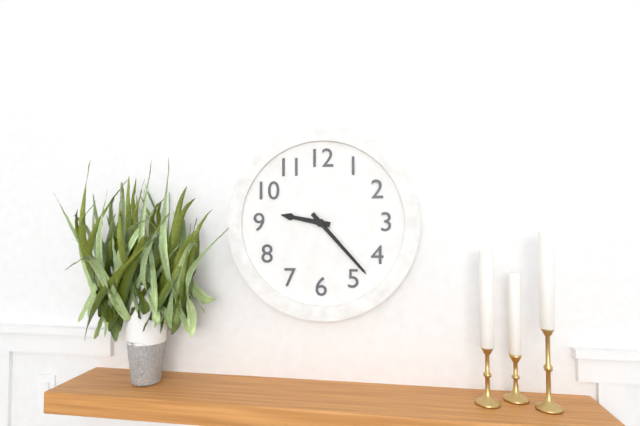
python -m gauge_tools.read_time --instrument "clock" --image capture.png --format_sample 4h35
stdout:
9h23
